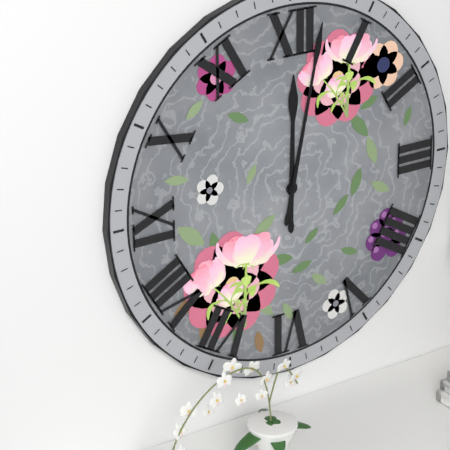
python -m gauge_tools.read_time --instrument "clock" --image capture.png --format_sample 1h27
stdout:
12h02
